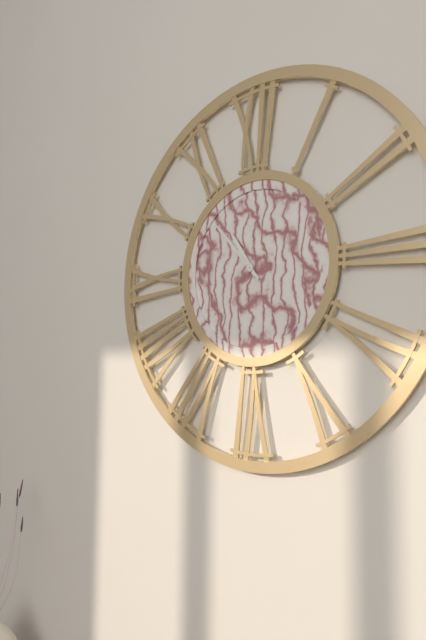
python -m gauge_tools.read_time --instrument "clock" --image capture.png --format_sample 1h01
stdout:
10h53
